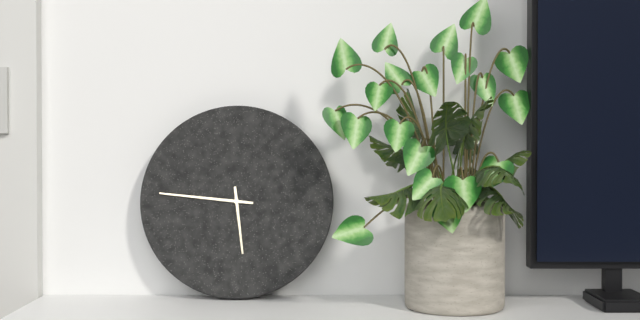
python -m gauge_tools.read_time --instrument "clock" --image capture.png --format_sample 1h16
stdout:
5h46
